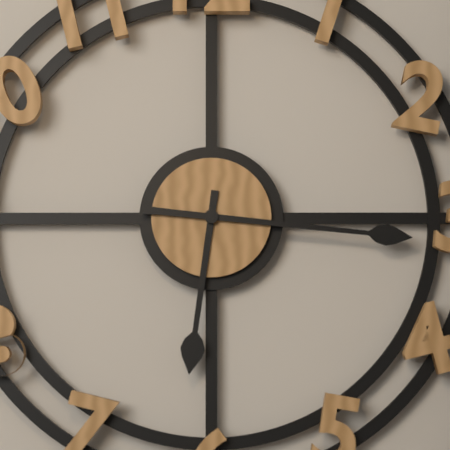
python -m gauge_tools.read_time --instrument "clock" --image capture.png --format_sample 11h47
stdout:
6h16
